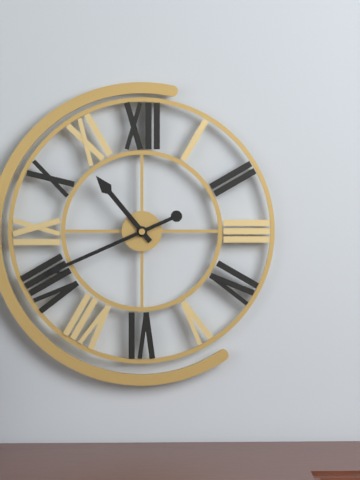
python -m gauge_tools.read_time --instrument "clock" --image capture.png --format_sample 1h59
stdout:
10h41
